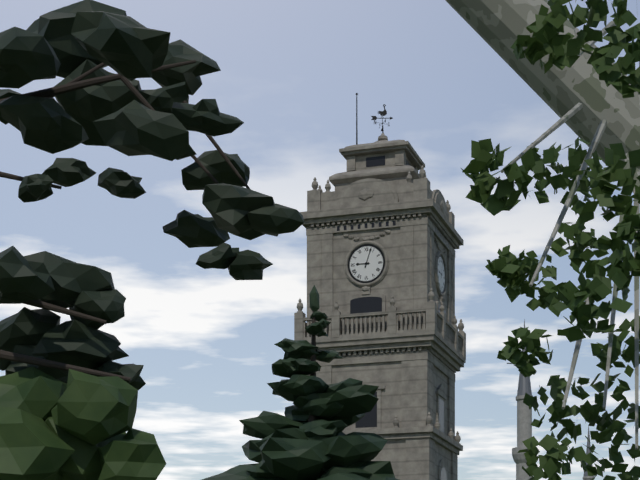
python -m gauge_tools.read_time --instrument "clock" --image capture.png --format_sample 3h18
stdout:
9h03
